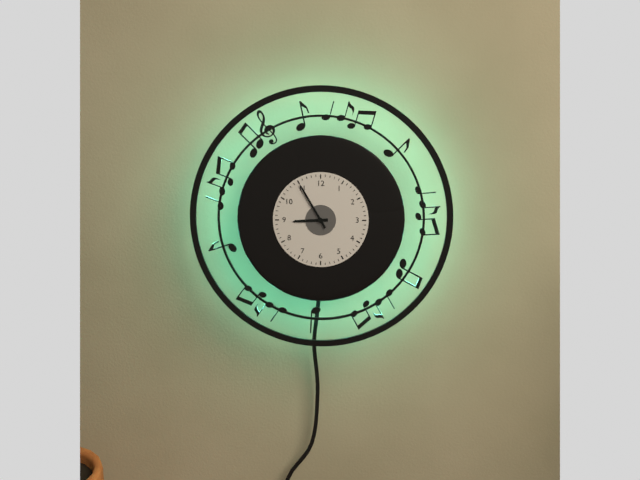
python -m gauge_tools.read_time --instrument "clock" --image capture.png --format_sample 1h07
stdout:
8h55
